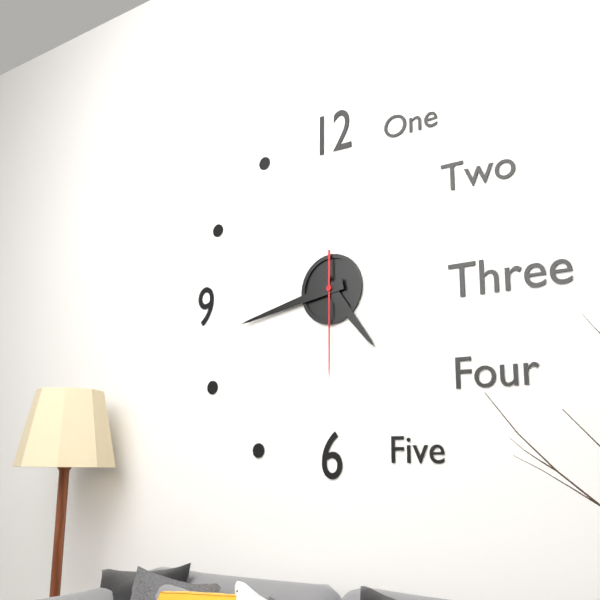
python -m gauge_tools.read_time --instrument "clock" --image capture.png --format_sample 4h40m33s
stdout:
4h43m30s
